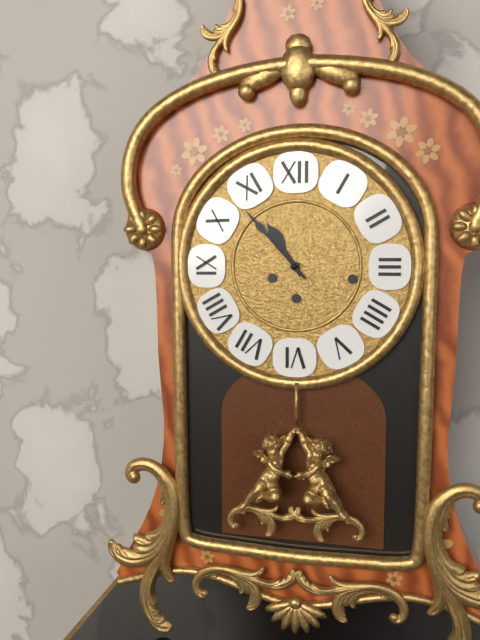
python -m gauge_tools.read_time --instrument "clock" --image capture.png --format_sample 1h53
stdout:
10h53
